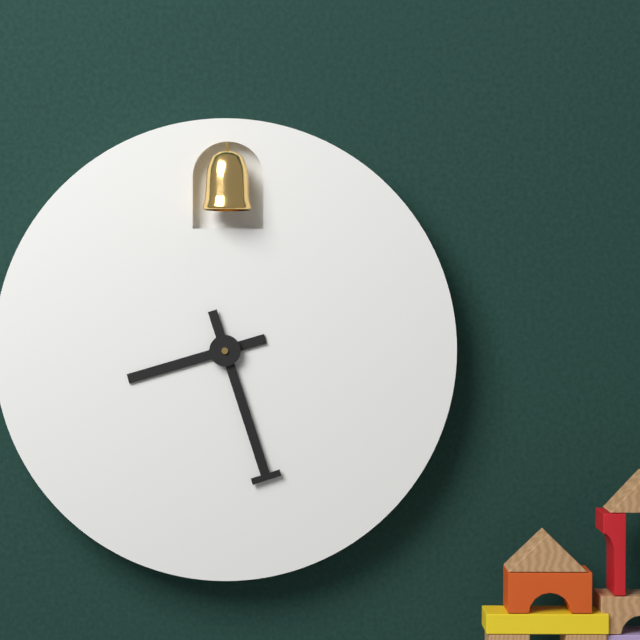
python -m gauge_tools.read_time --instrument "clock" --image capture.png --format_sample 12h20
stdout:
8h27
